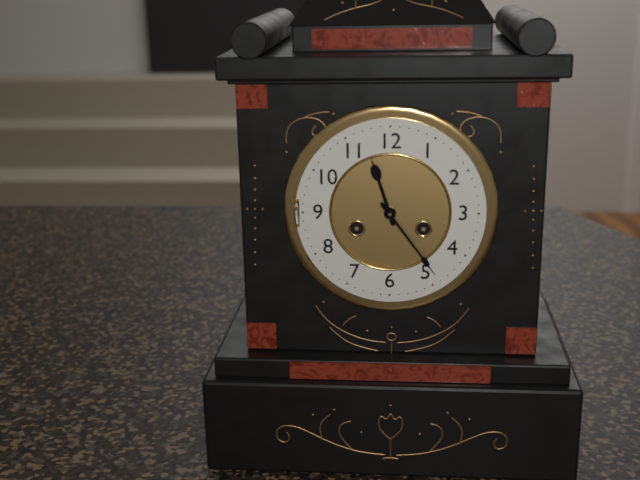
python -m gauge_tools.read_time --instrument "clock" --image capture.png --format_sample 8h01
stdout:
11h24
